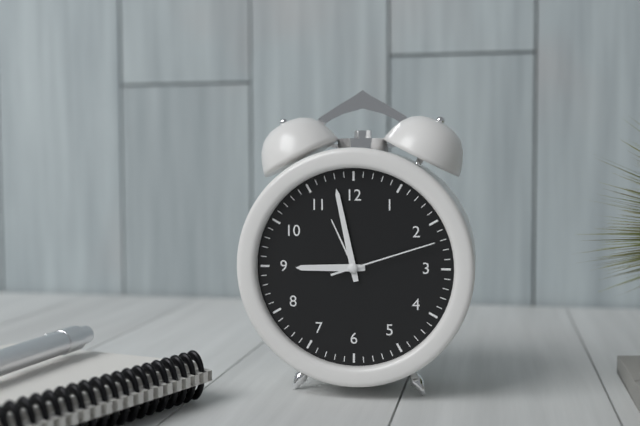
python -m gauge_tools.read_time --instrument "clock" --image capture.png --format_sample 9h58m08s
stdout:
8h58m12s
